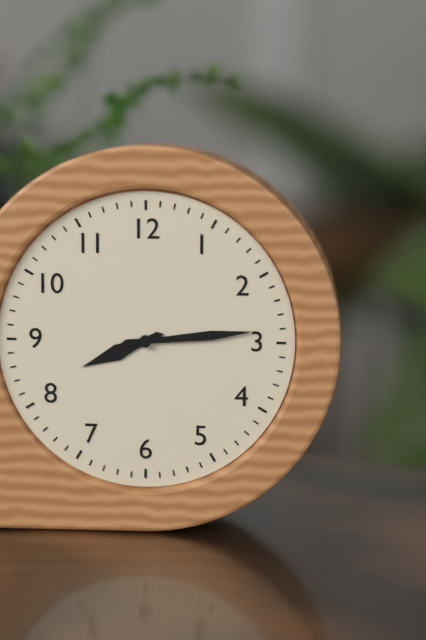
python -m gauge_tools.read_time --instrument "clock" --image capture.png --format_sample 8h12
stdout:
8h14
